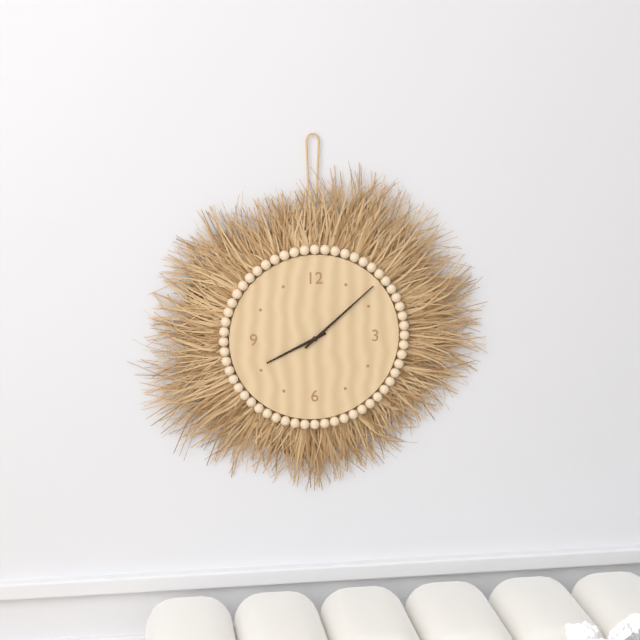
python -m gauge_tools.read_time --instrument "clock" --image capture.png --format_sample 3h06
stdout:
8h08
